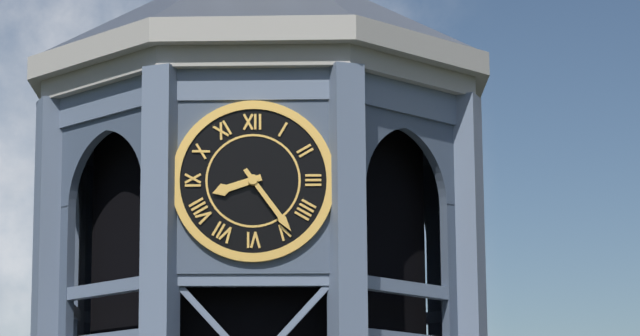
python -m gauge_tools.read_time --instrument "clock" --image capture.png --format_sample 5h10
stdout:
8h24
